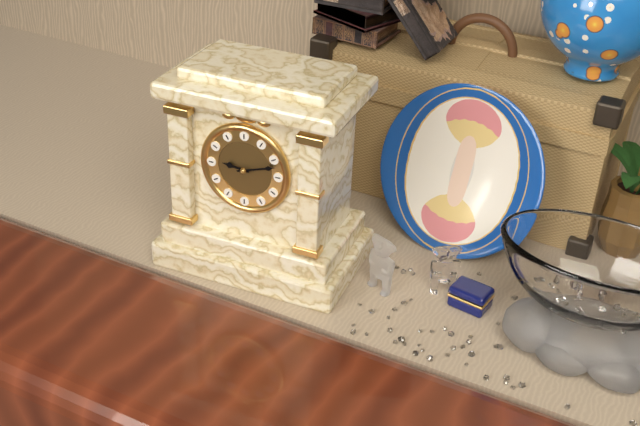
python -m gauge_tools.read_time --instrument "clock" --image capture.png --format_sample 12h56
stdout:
9h12
